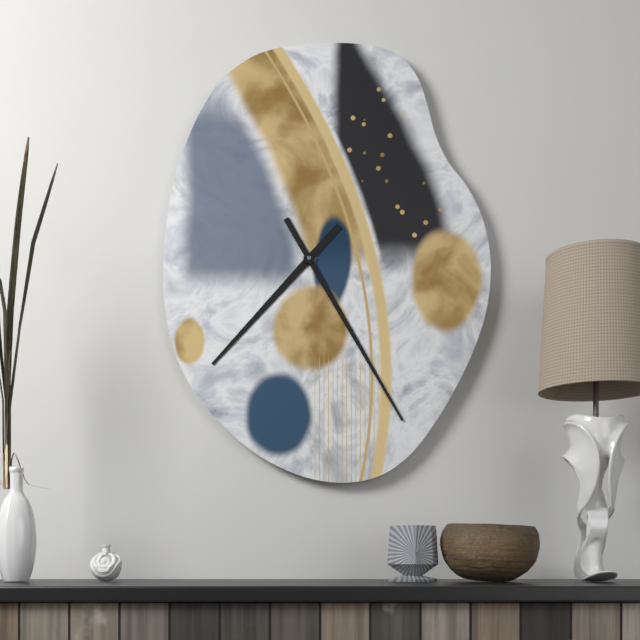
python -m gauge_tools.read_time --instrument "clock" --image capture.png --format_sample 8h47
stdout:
7h25
